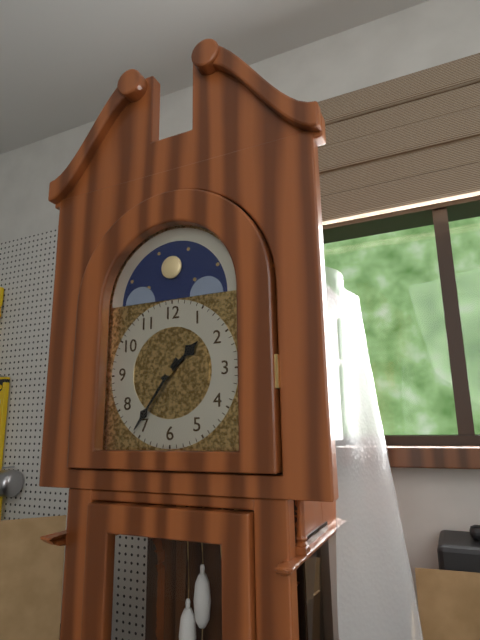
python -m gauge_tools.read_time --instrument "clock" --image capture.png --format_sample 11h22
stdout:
1h36
